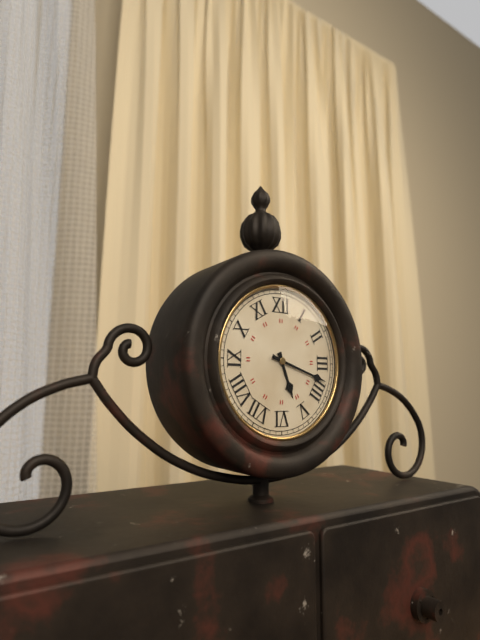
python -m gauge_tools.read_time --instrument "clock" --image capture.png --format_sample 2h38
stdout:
5h18
